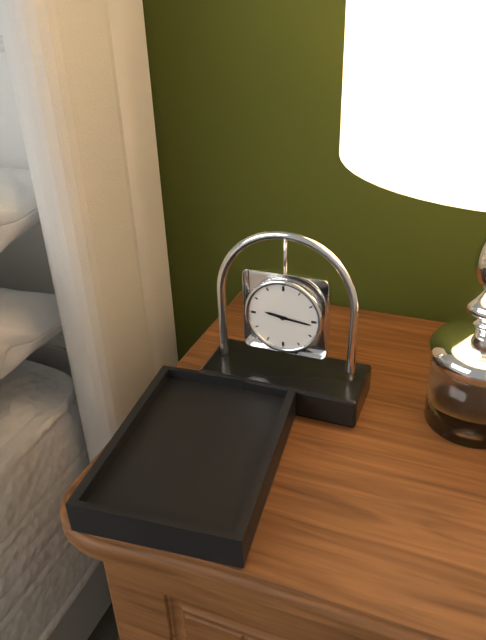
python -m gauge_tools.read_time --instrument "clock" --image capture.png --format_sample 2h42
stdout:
9h16
